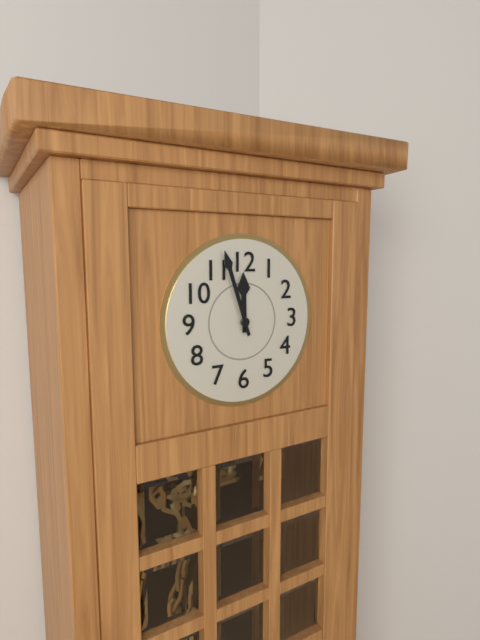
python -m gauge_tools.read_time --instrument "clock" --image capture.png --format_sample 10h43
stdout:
11h57
